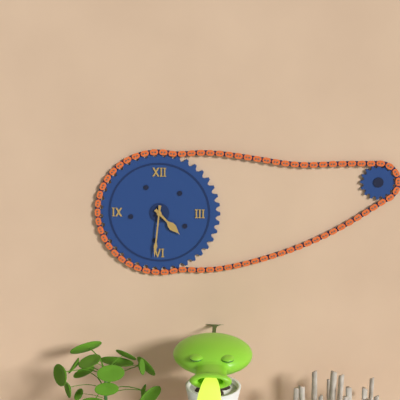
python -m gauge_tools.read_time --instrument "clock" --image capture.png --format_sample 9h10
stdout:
4h31
